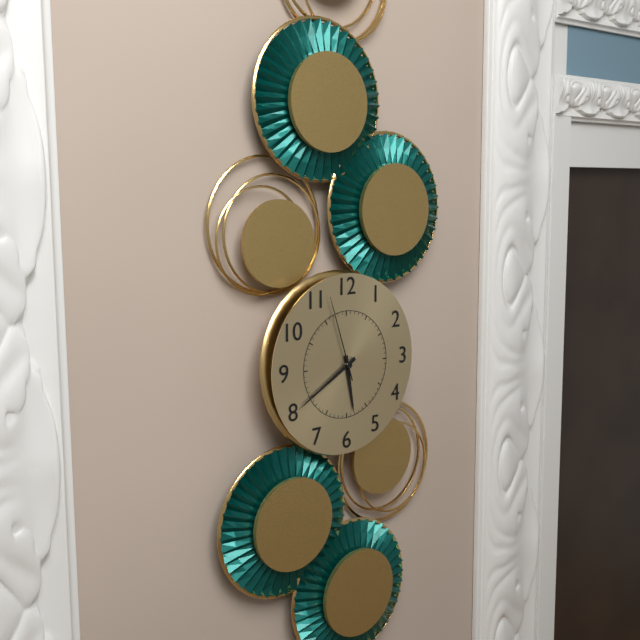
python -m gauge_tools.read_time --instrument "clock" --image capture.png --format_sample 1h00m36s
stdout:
5h40m57s
